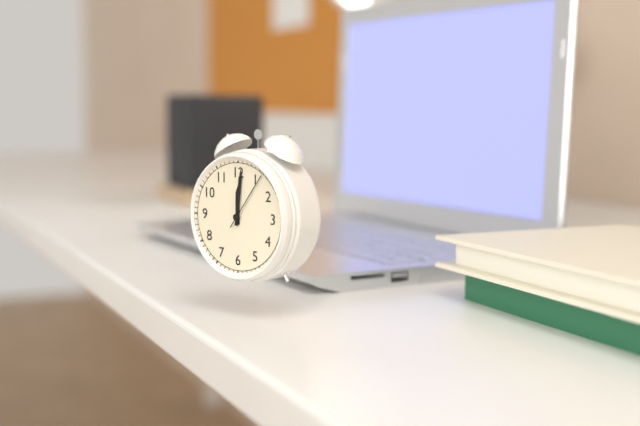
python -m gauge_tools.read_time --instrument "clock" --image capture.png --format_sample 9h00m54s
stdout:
12h01m06s
